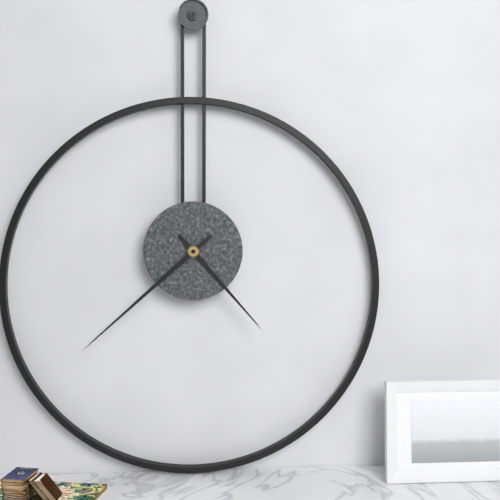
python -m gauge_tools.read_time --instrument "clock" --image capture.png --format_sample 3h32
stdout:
4h38
